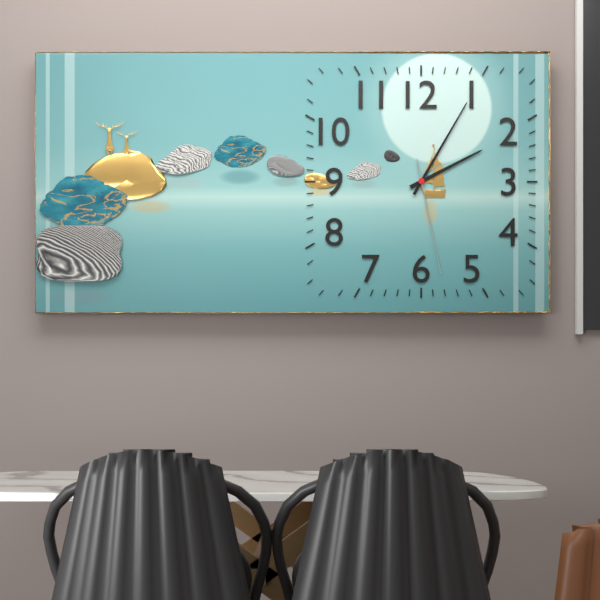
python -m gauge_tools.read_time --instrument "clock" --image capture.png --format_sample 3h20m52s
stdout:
2h05m28s
